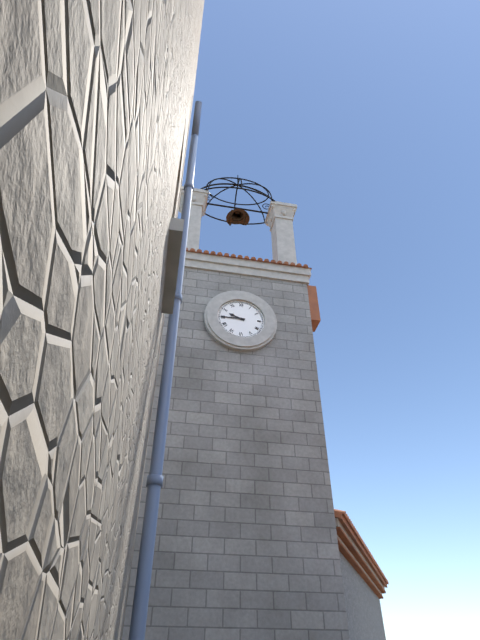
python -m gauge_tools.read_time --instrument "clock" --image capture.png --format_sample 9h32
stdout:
9h45
